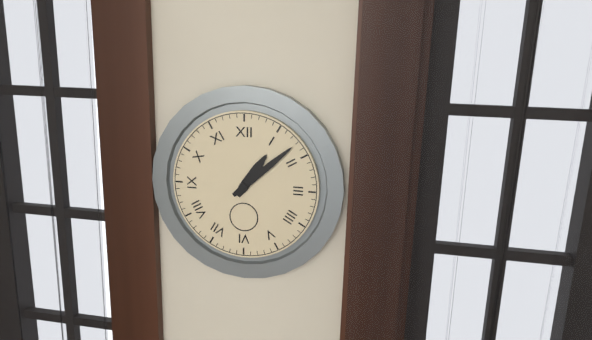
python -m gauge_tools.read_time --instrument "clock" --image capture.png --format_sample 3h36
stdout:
1h08
